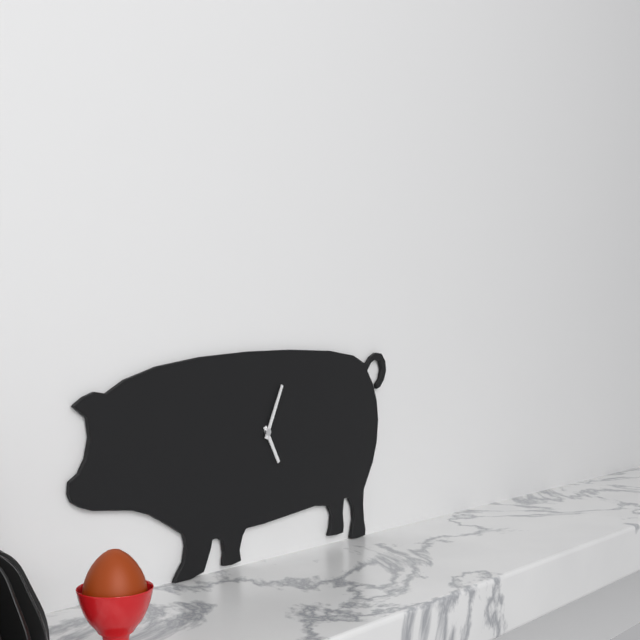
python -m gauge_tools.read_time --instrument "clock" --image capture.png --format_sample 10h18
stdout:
5h04
